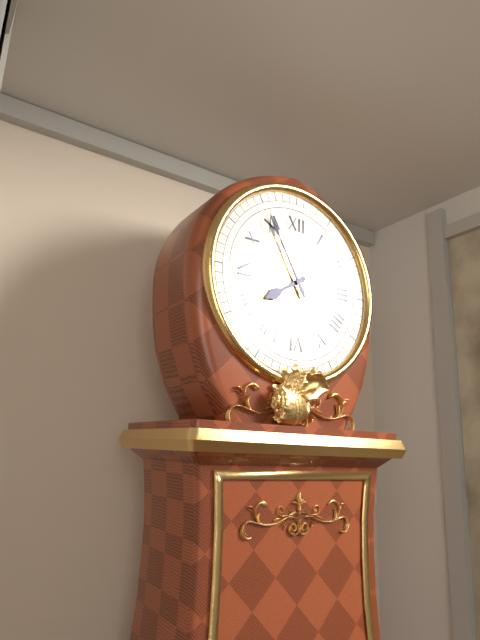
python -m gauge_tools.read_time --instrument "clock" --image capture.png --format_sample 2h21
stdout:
7h55
